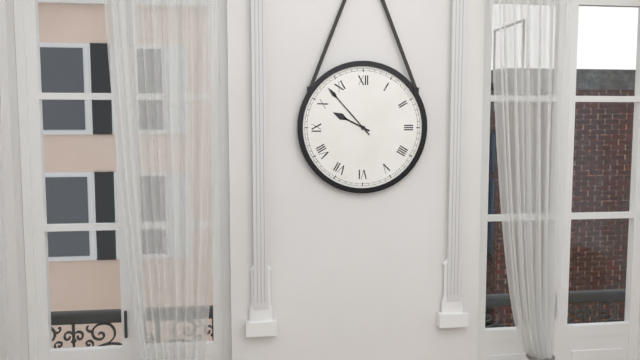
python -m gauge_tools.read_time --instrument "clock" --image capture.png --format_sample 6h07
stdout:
9h53
